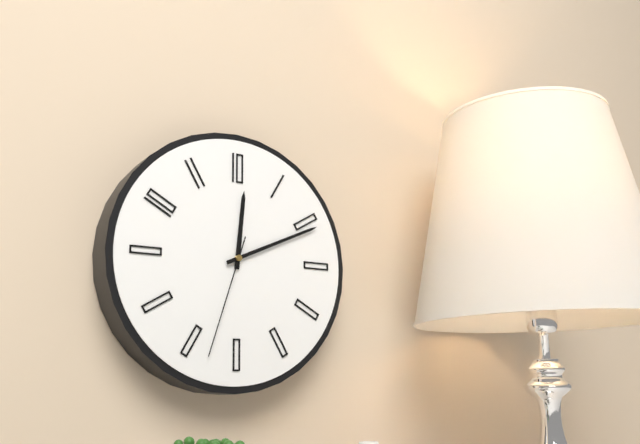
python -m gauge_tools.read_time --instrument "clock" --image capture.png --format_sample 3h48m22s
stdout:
12h11m33s
